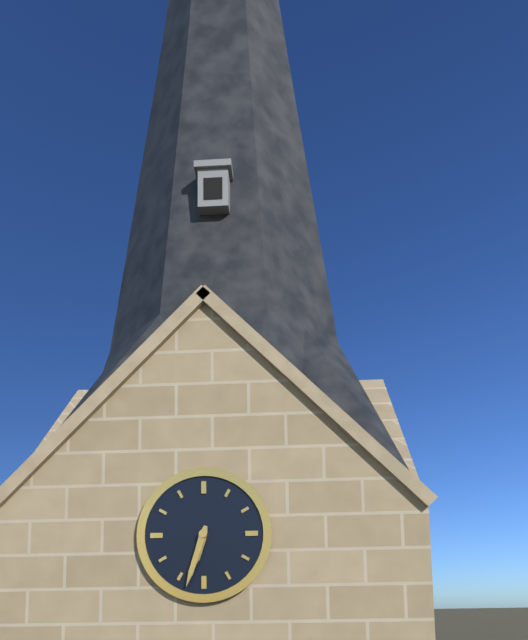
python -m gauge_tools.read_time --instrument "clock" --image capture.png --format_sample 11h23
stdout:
6h33
